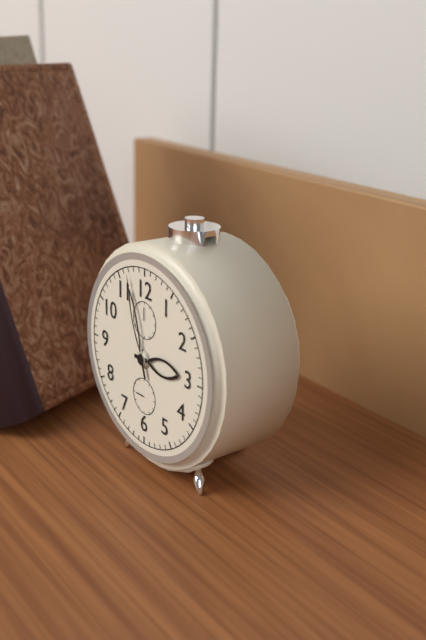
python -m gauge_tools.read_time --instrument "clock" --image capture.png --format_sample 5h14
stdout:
2h57
